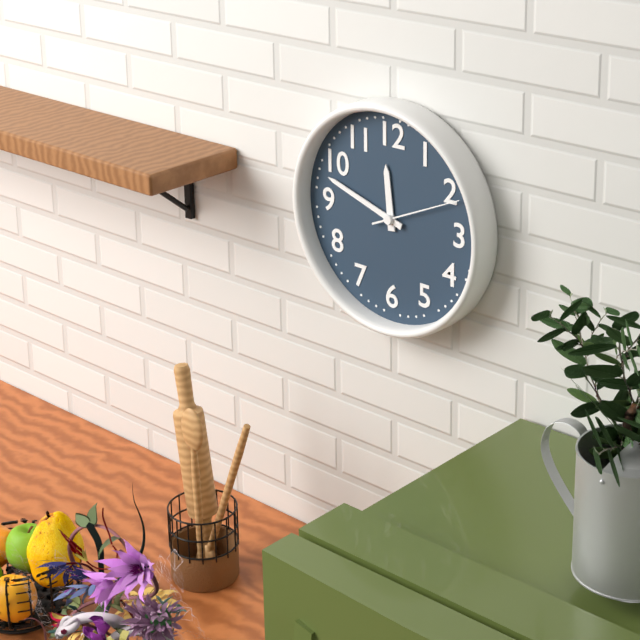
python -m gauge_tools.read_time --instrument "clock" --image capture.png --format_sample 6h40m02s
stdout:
11h48m11s
